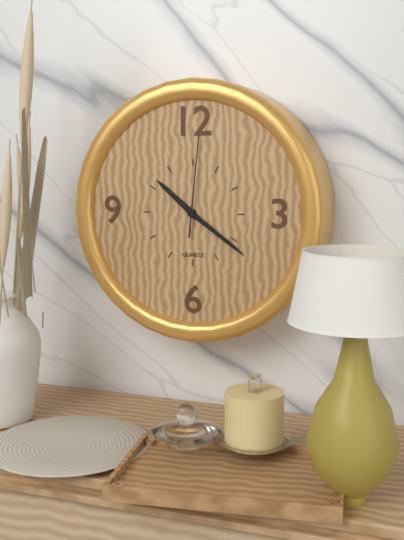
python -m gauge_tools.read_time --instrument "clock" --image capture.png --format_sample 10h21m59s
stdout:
10h21m01s
